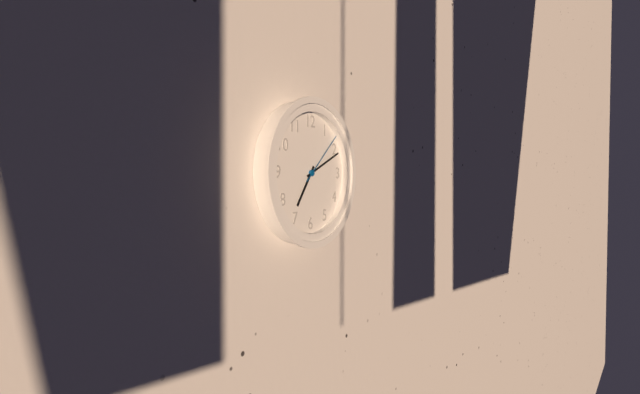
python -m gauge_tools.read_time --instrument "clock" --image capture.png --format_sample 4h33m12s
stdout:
7h11m08s
